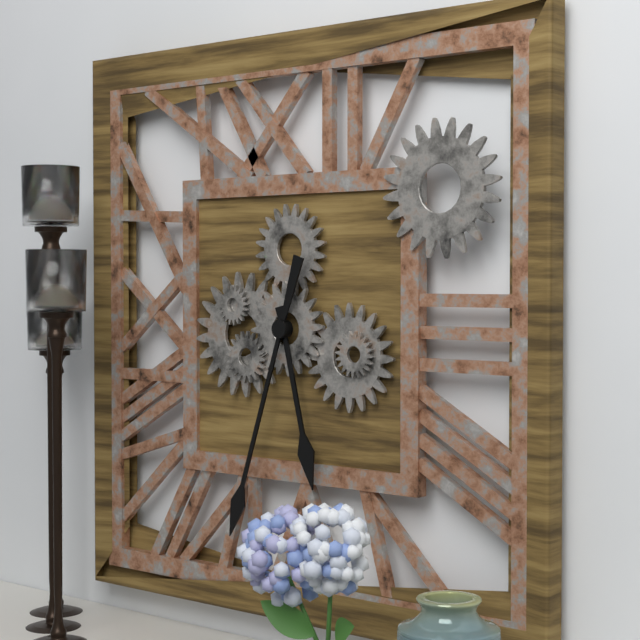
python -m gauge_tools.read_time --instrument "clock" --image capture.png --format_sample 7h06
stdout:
5h33
